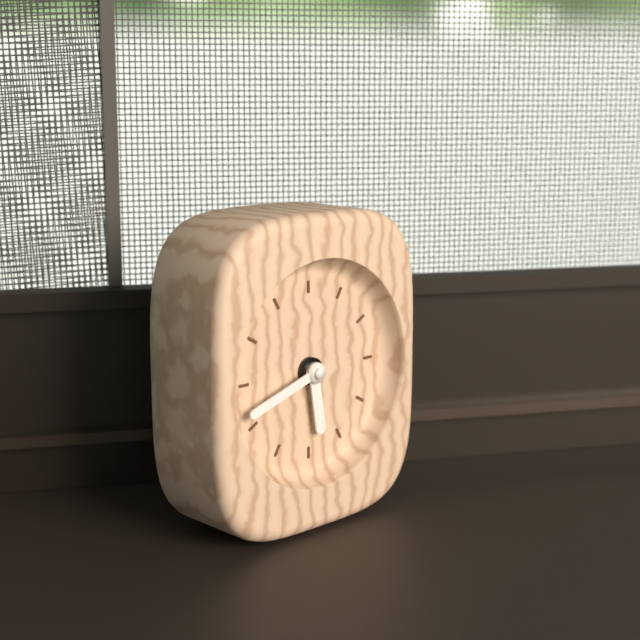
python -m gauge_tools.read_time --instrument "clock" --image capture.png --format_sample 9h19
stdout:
5h42
